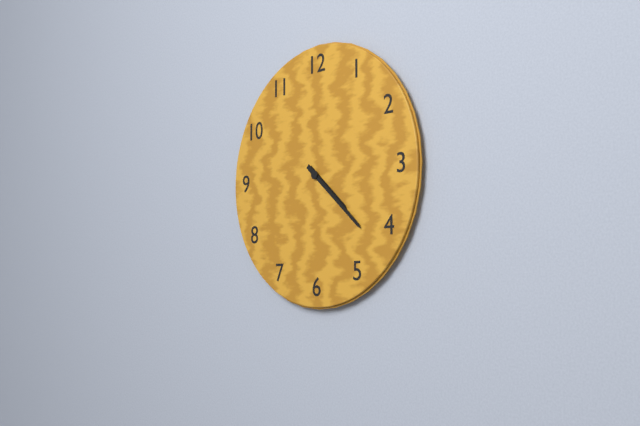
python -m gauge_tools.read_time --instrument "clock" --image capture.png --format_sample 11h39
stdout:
4h22
